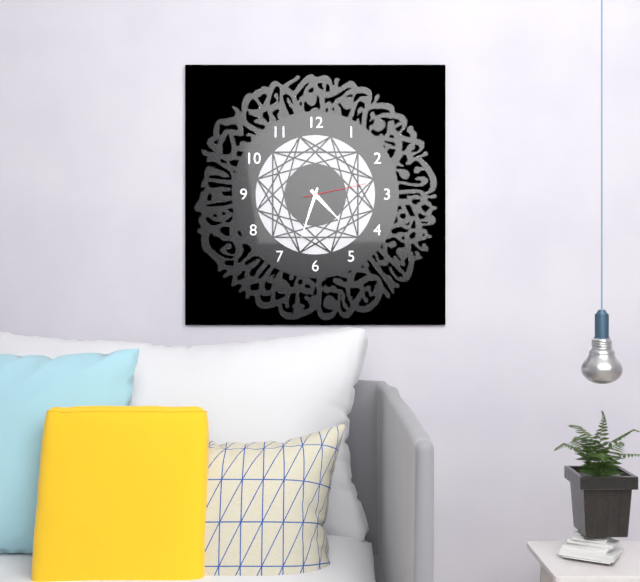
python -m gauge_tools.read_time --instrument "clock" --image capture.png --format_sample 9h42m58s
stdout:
4h33m13s
